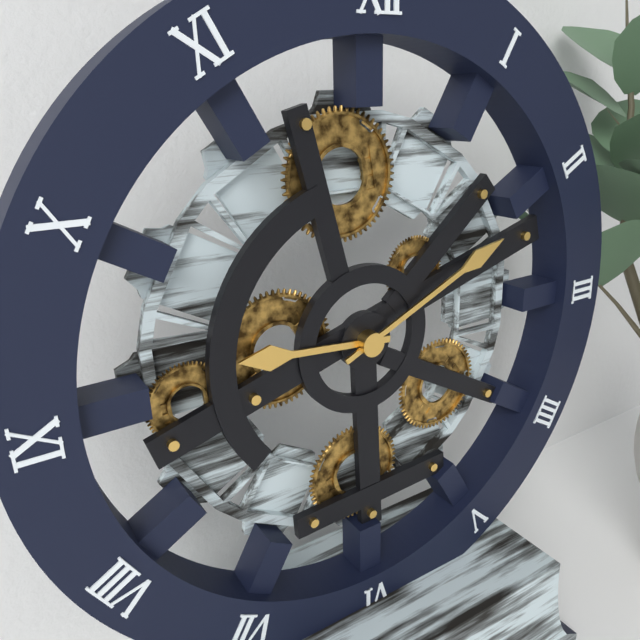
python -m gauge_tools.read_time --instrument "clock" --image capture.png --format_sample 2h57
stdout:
9h11
